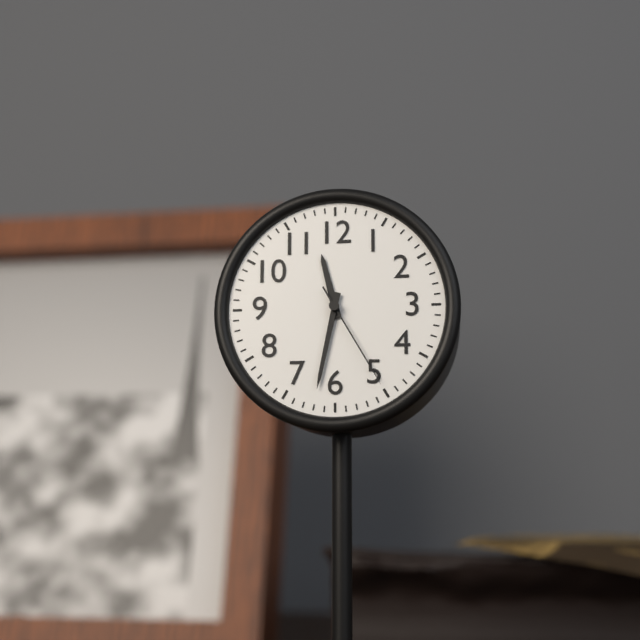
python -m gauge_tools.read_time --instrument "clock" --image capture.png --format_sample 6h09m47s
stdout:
11h32m25s
